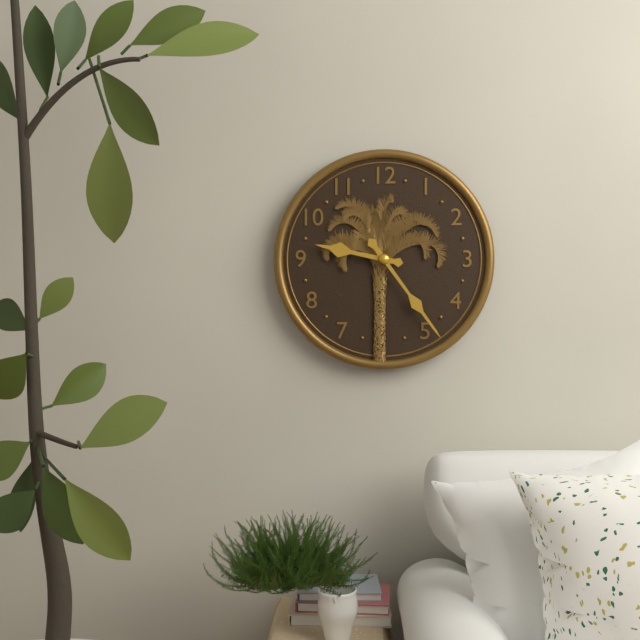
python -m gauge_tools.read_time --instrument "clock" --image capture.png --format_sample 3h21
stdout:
9h24
